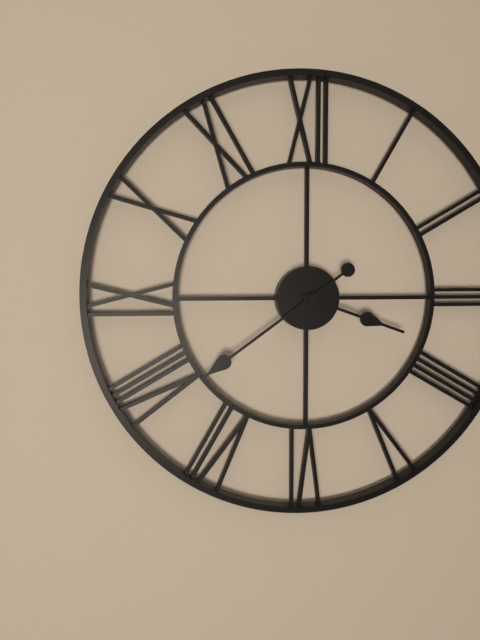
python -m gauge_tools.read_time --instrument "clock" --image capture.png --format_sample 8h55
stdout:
3h39
